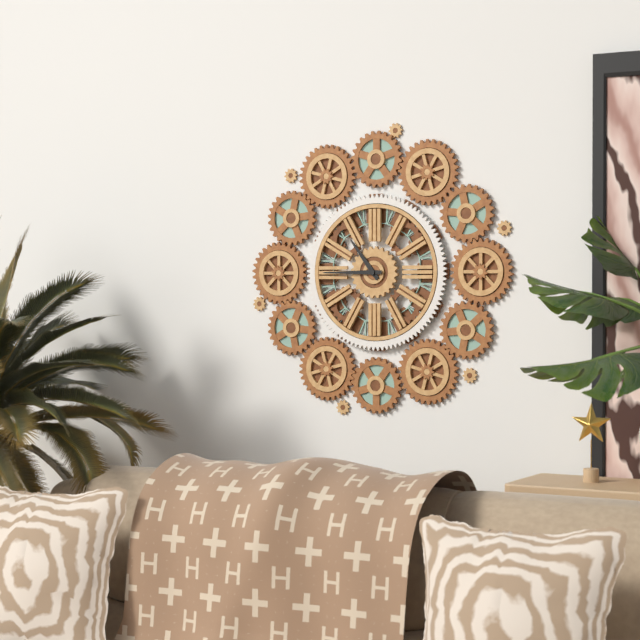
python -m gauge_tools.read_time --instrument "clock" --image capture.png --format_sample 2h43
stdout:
10h45
